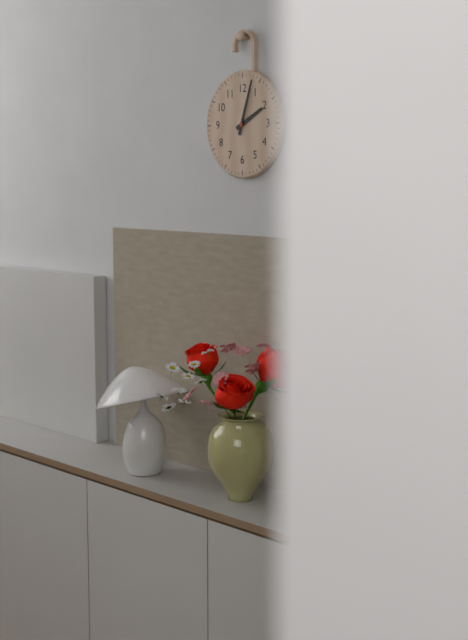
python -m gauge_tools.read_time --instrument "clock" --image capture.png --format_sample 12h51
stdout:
2h03
